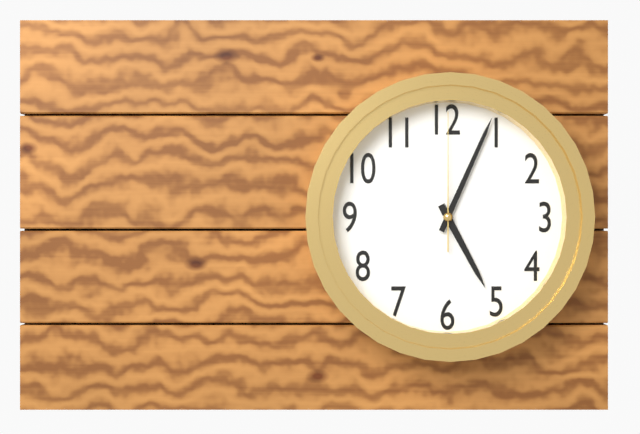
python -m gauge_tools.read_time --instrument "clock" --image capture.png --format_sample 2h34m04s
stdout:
5h04m00s
